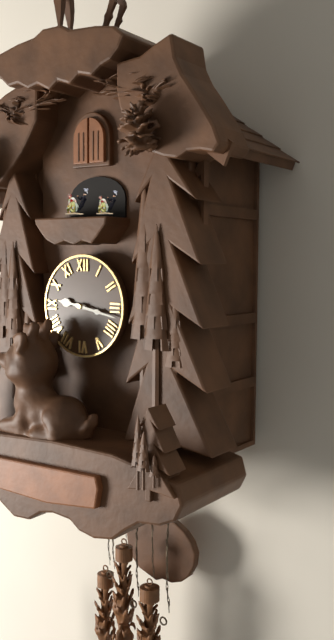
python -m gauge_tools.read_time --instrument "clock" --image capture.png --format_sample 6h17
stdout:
9h17
